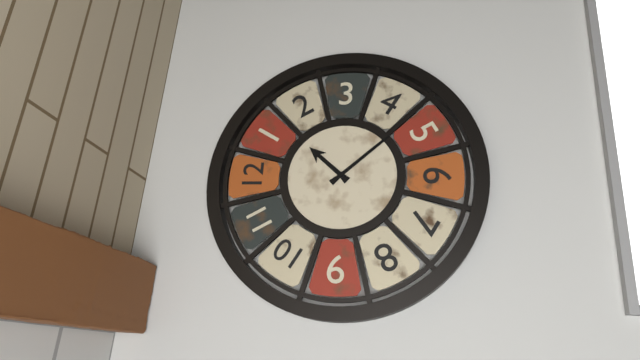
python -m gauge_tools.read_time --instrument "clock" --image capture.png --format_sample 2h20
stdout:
1h23
